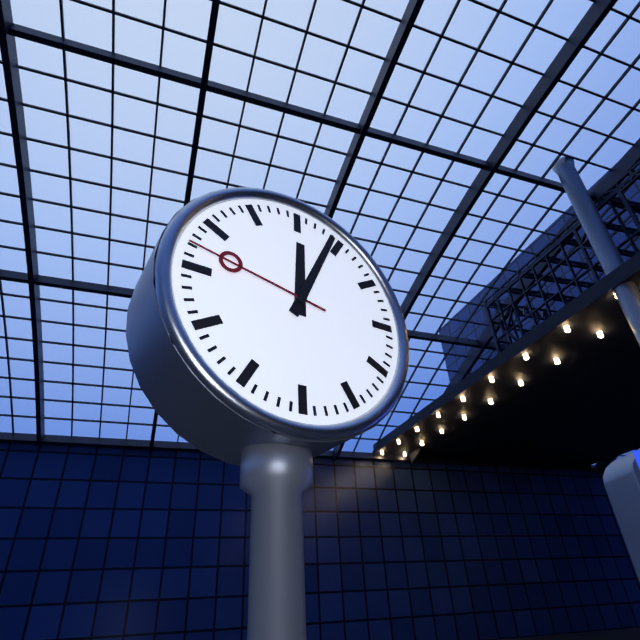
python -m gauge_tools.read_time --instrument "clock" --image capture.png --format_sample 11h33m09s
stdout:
12h04m47s
